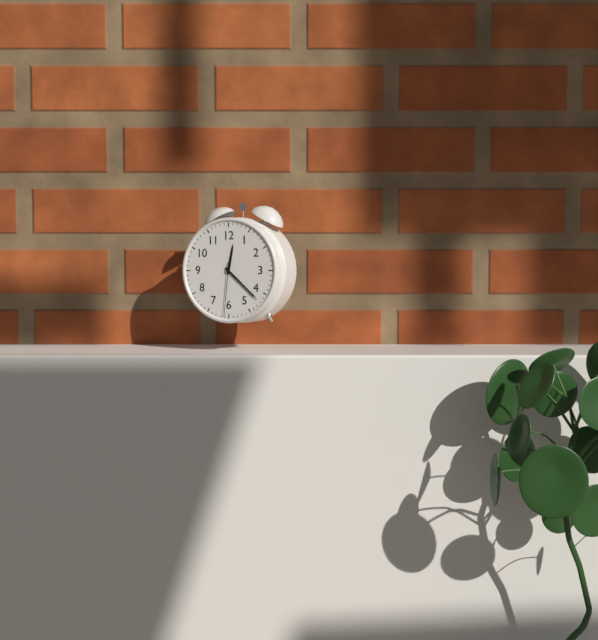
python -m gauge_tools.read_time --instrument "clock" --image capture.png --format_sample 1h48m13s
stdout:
12h22m31s
